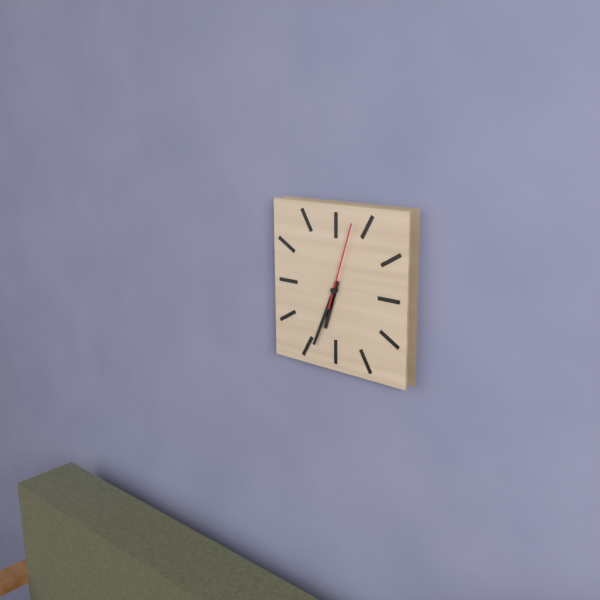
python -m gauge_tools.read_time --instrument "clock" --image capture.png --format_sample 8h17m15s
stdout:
6h34m03s
